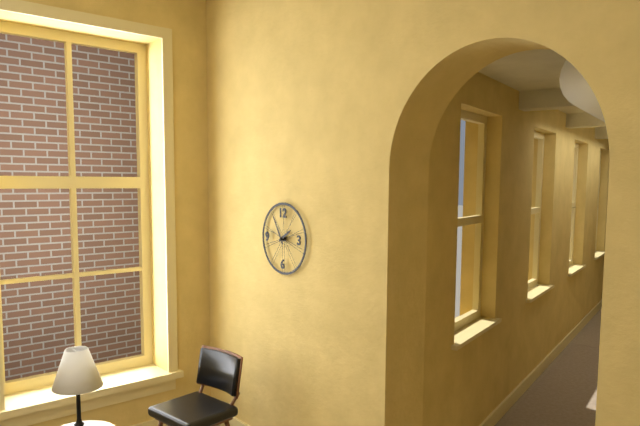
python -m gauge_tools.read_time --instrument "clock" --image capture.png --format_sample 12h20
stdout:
1h55
